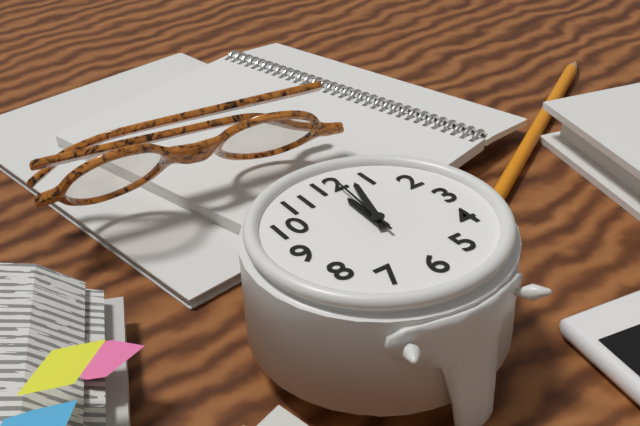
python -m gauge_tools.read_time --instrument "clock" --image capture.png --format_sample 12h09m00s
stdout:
12h03m01s
